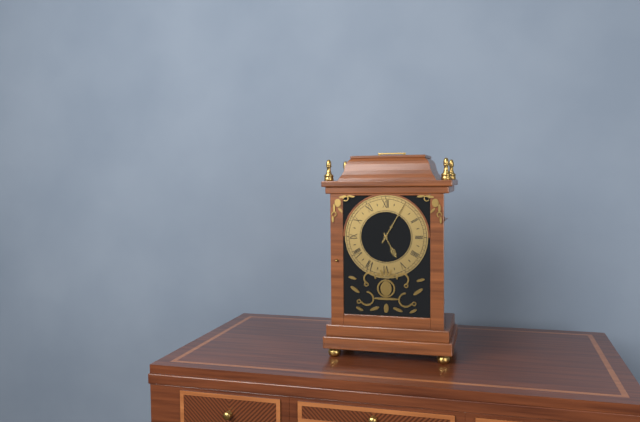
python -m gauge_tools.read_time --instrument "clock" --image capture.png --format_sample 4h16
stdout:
5h05
